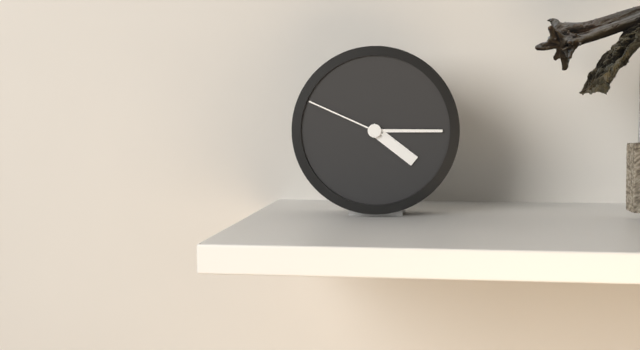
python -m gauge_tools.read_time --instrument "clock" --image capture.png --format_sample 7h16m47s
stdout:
4h15m49s
